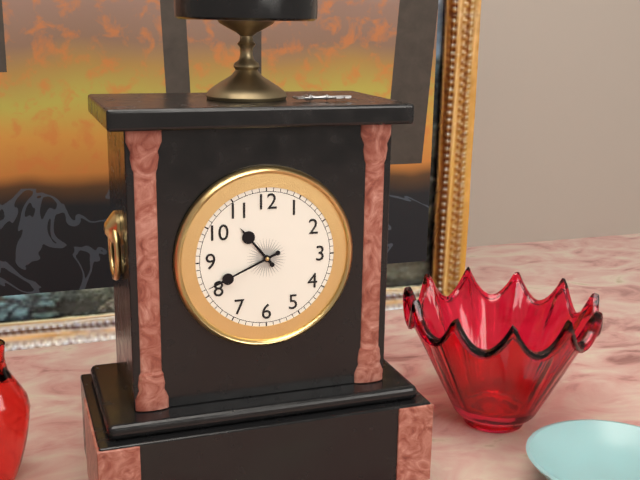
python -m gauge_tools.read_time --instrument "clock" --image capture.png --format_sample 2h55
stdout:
10h41
